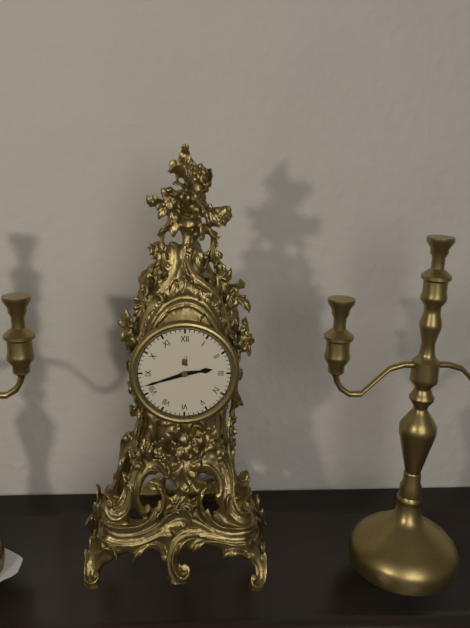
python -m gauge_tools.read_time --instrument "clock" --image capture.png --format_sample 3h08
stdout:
2h42
